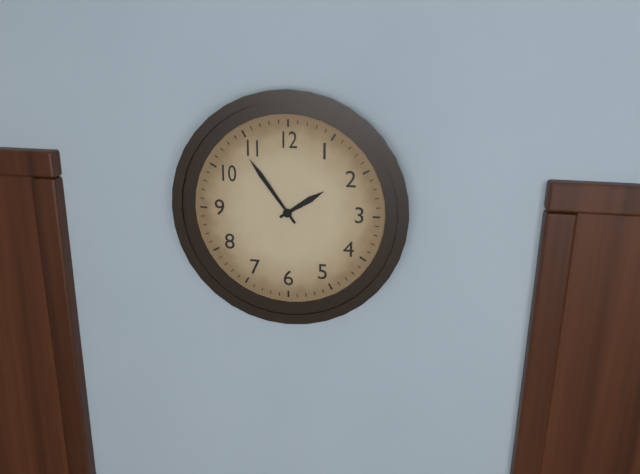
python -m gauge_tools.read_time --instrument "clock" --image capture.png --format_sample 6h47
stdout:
1h54
